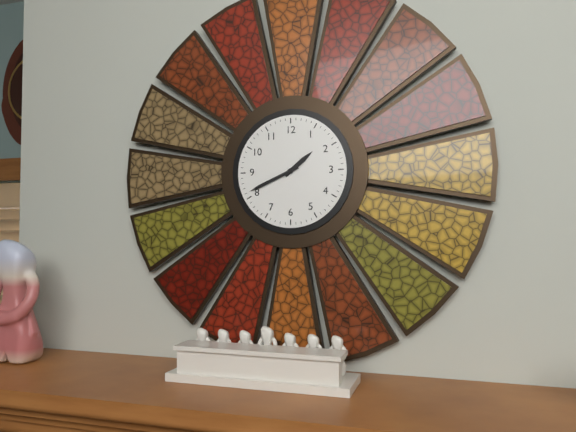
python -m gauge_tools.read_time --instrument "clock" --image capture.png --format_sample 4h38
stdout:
1h41
